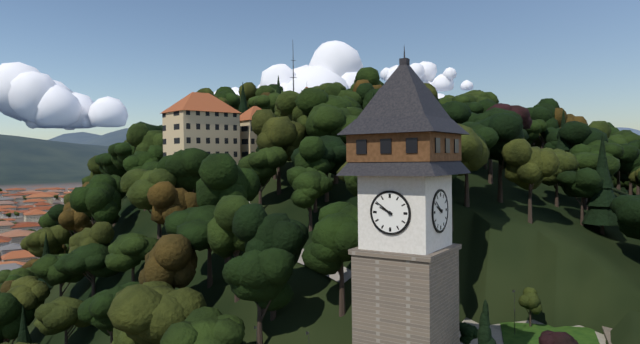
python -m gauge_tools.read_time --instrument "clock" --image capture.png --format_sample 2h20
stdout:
9h51
